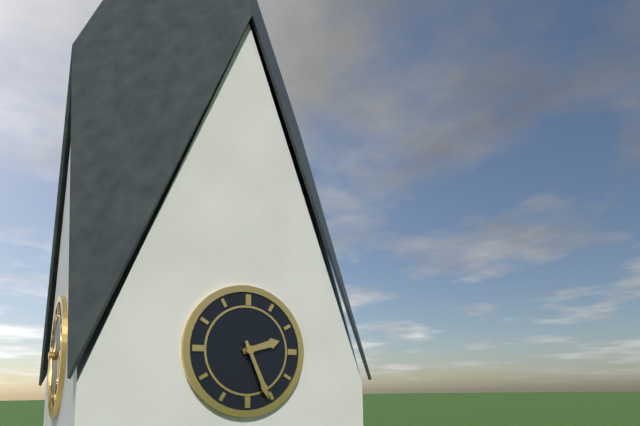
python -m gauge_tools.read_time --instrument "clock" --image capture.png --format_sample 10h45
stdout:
2h26
